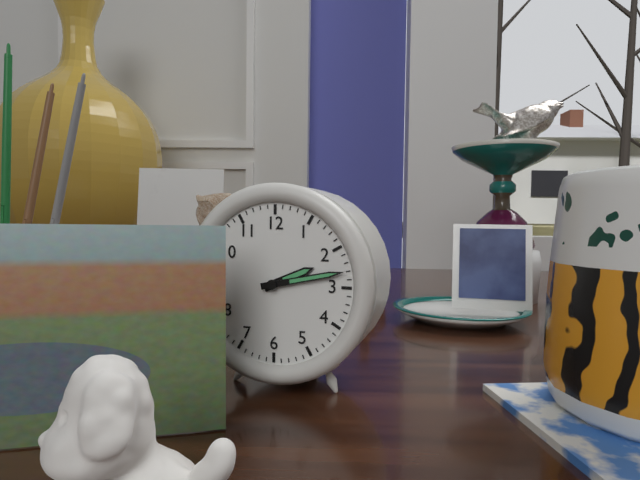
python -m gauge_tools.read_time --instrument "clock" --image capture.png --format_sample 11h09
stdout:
2h13
